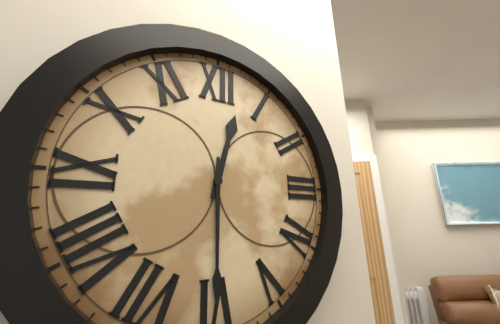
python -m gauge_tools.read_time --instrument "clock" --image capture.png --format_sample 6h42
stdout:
12h30
